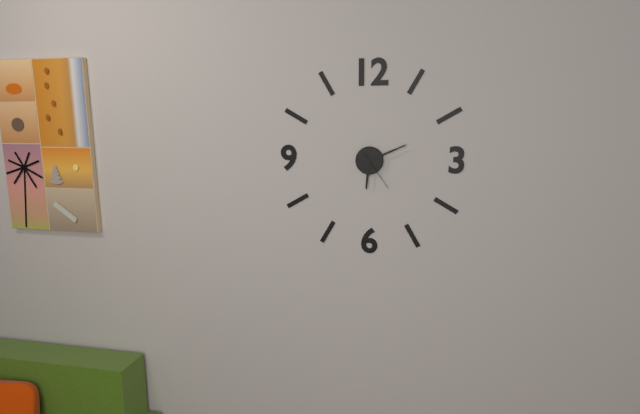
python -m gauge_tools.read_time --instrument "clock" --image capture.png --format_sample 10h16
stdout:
6h11
